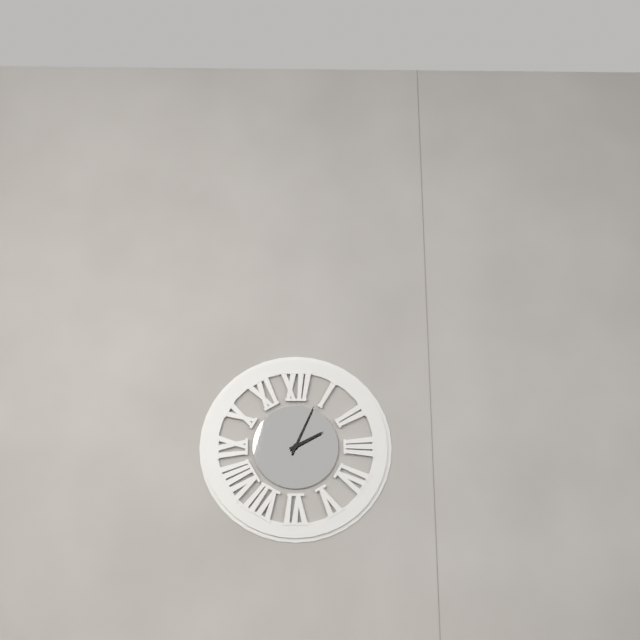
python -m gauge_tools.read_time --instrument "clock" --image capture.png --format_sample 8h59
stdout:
2h04
